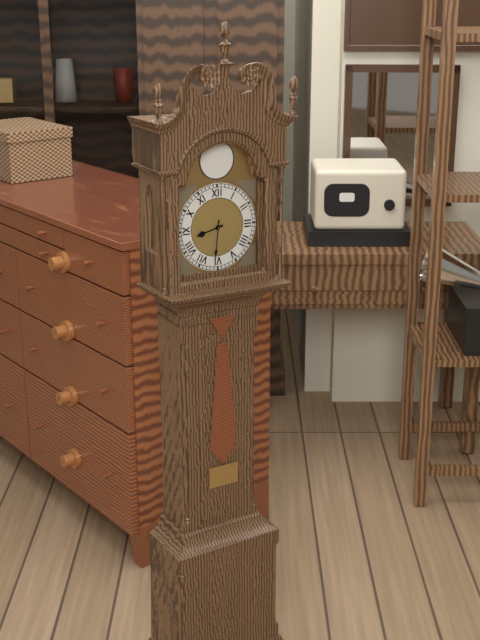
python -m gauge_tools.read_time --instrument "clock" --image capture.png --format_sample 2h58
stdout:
8h31
